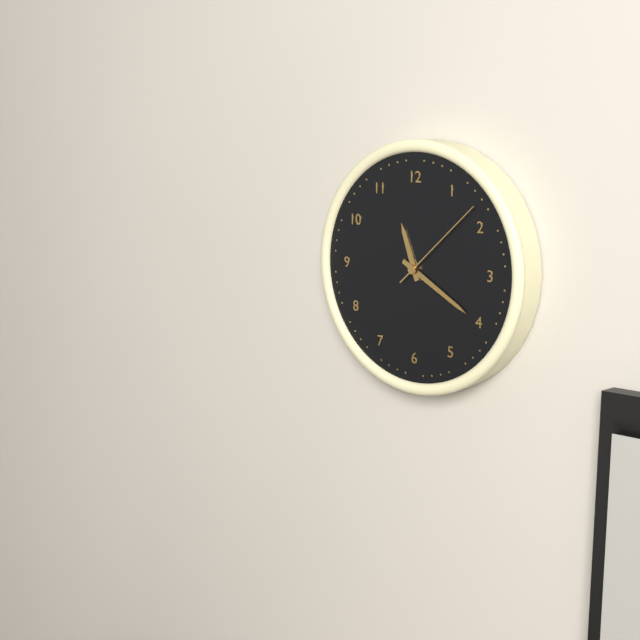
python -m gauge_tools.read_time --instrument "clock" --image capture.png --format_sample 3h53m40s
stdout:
11h20m08s
